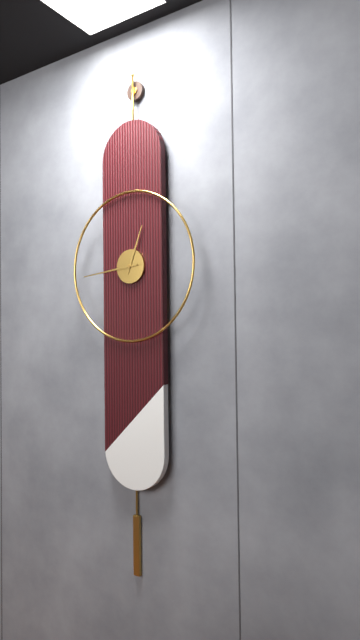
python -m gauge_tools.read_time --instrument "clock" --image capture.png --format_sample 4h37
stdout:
12h44
